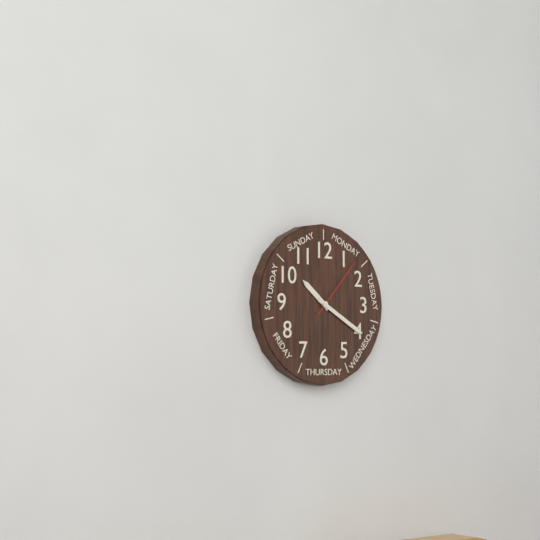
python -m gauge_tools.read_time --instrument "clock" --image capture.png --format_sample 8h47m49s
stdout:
10h20m07s
